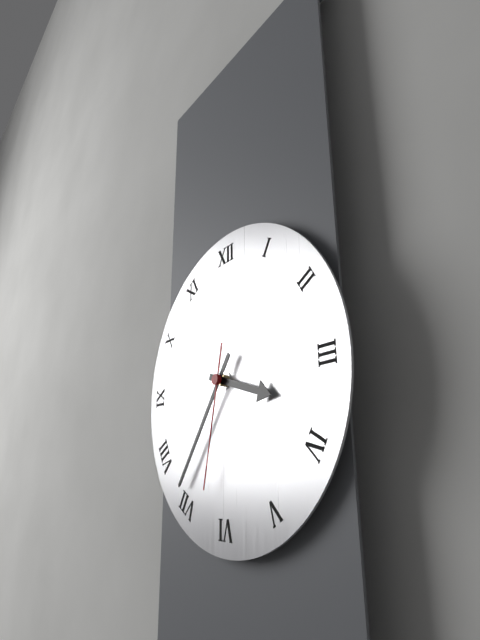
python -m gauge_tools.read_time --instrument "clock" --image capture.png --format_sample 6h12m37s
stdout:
3h36m32s
